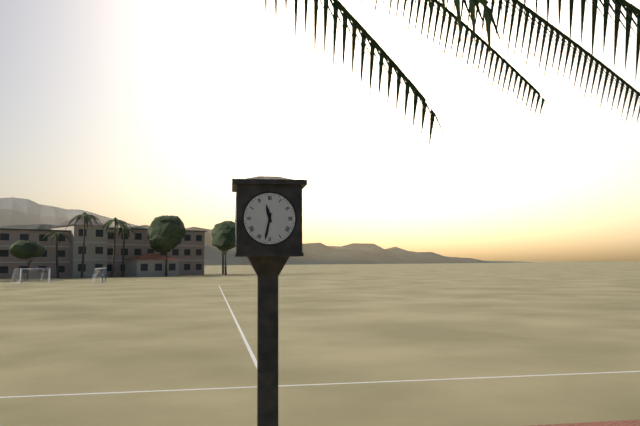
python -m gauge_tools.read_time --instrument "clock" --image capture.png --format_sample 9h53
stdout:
11h32
